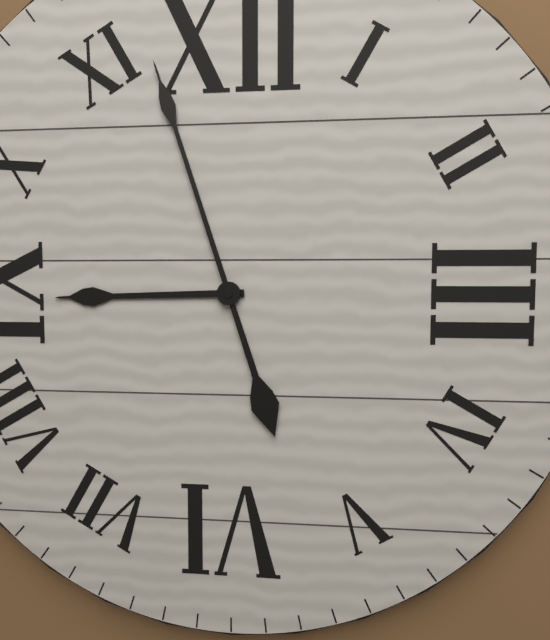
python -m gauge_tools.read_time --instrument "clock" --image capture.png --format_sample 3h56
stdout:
8h57
